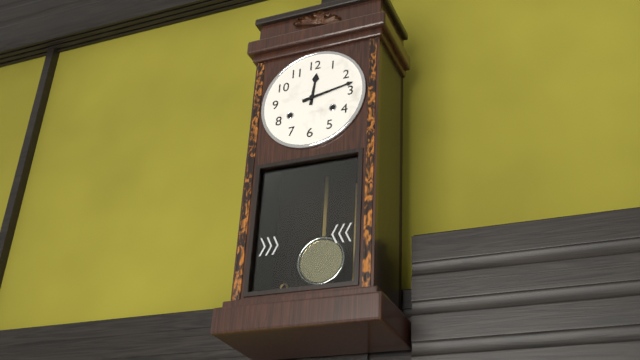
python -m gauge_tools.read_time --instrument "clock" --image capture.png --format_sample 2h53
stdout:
12h13
